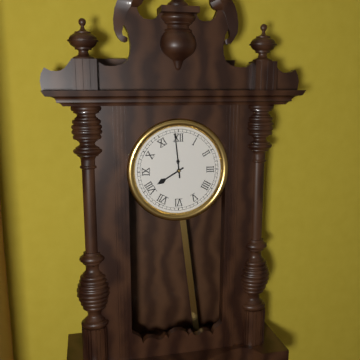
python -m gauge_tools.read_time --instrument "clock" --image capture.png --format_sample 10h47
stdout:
7h59
